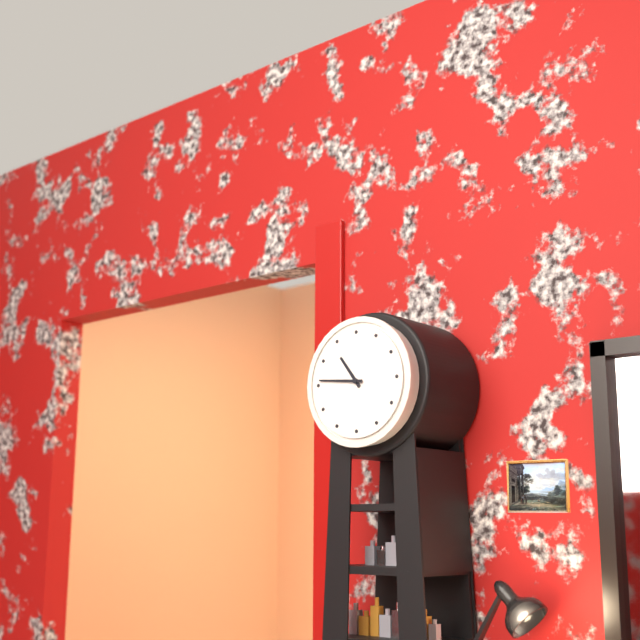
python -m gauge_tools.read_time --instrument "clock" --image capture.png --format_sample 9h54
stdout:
10h46
